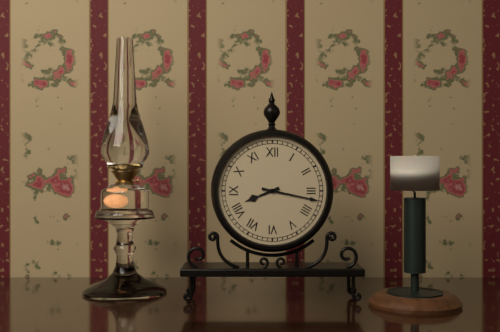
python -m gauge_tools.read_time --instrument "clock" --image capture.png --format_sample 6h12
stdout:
8h17
